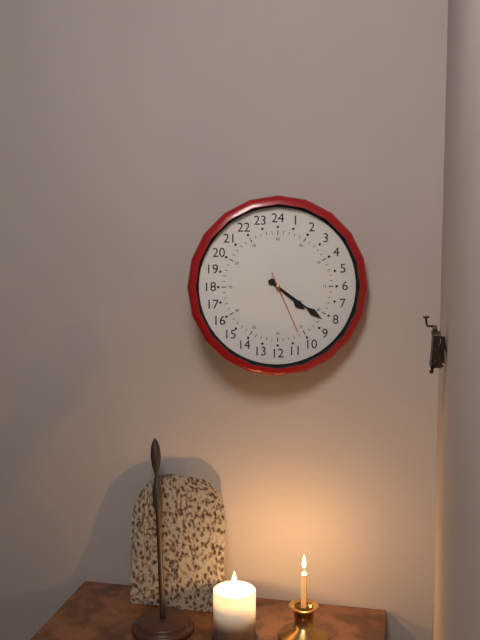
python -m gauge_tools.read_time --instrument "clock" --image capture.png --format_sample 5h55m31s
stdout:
4h21m26s
